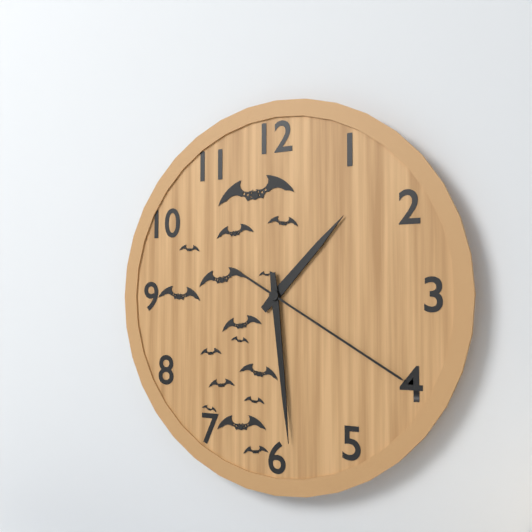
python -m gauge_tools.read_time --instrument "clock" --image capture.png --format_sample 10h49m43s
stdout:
1h29m20s
